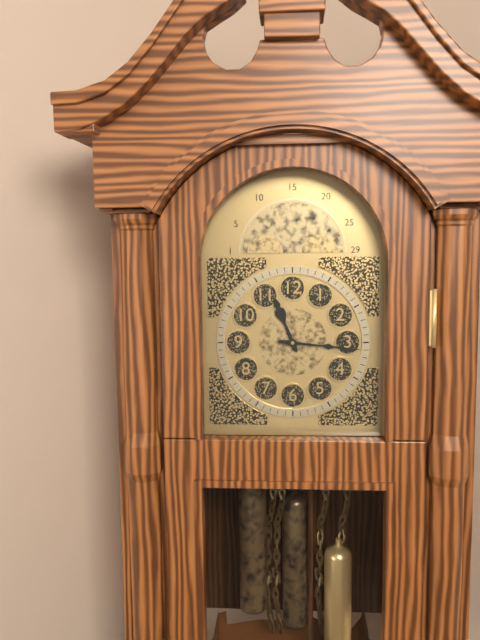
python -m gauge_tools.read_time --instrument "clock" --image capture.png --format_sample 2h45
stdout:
11h16
